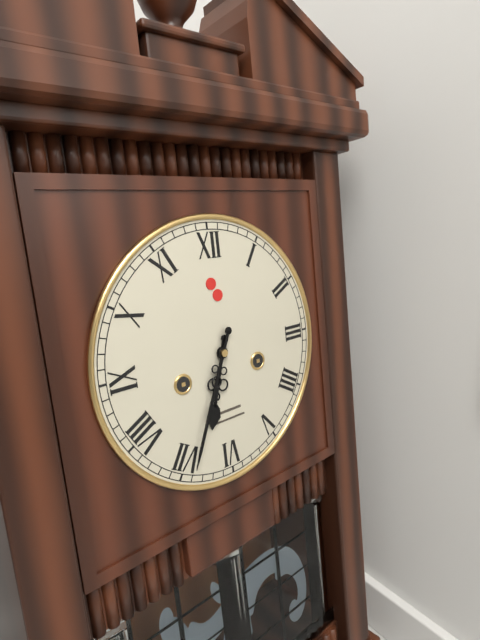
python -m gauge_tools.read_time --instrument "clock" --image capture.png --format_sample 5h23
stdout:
6h34
